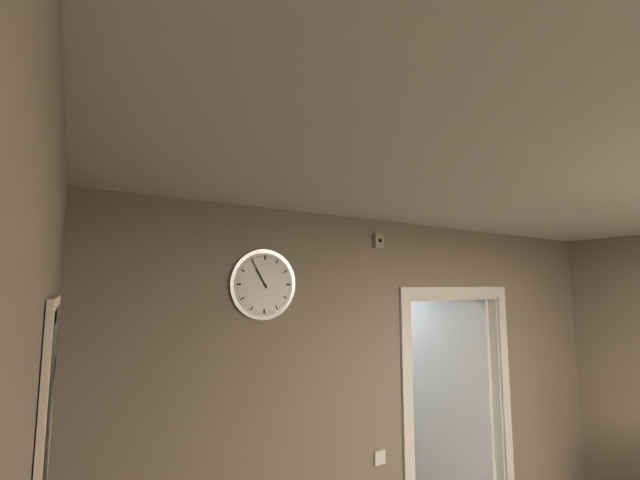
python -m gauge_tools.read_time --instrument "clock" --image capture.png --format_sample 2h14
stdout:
10h55
